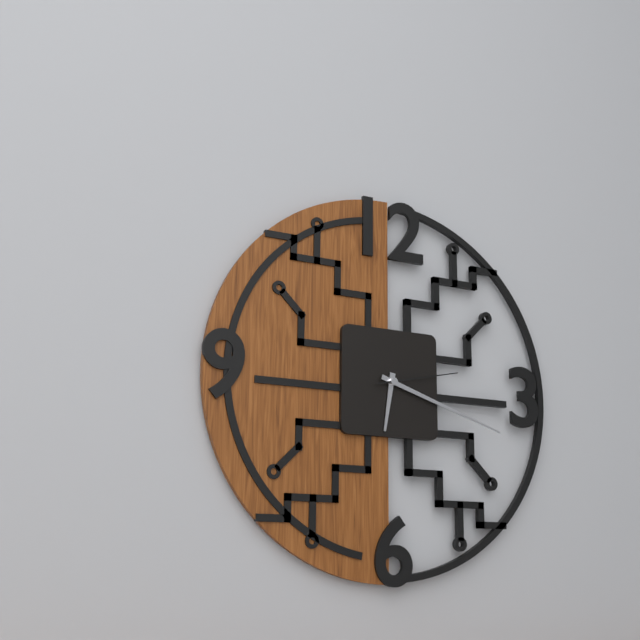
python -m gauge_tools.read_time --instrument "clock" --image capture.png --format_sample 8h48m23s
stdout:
6h18m13s
